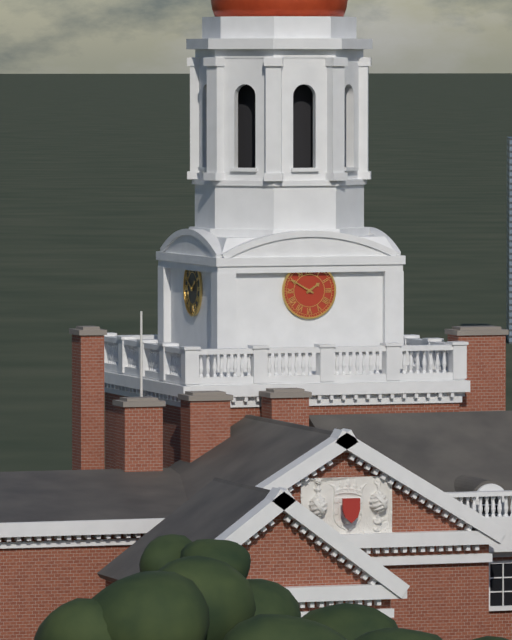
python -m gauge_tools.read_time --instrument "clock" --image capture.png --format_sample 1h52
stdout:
1h50
